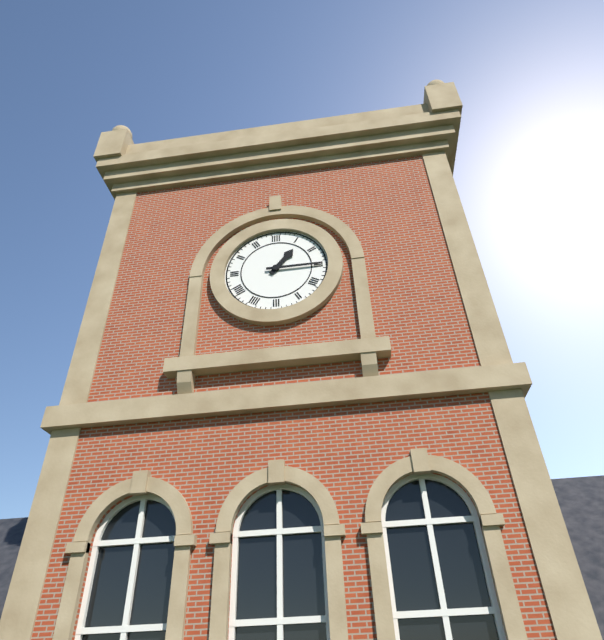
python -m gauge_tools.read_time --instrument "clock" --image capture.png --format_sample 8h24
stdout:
1h15
